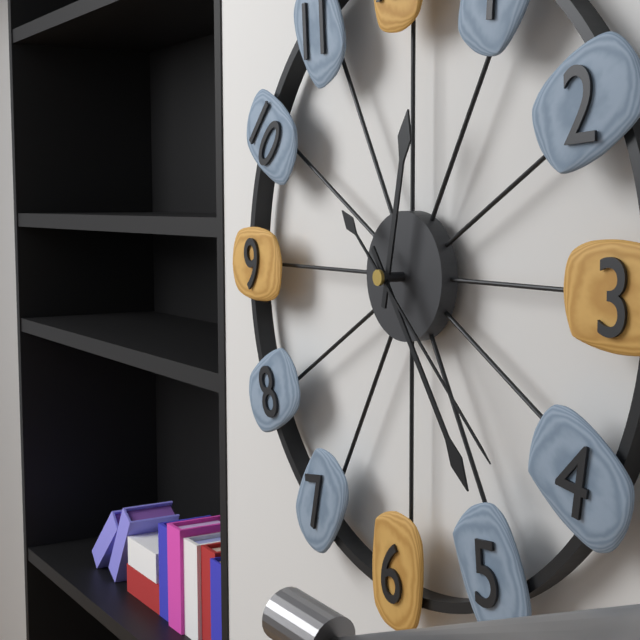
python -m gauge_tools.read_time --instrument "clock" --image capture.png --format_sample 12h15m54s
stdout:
12h24m22s
